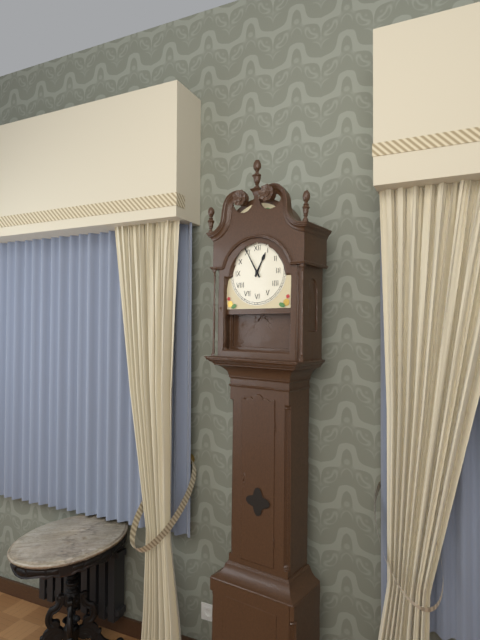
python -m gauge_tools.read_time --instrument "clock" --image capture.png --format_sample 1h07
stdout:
12h55
